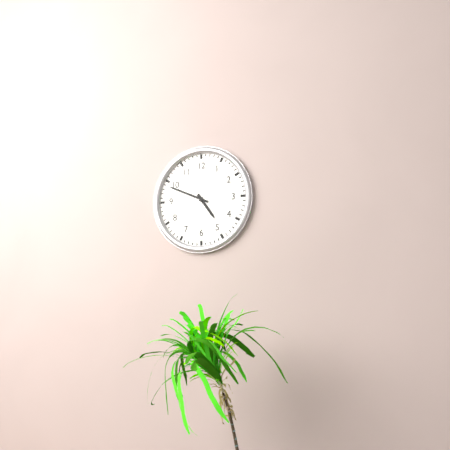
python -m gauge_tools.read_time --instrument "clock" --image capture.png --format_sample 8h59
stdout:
4h49
